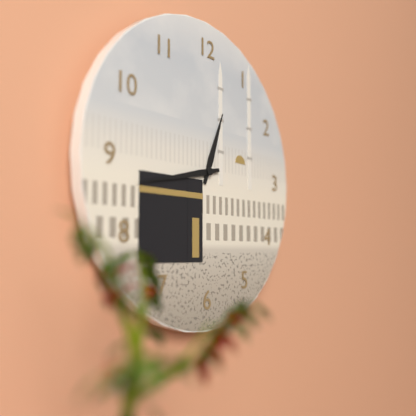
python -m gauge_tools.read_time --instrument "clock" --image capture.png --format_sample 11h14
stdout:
12h43
